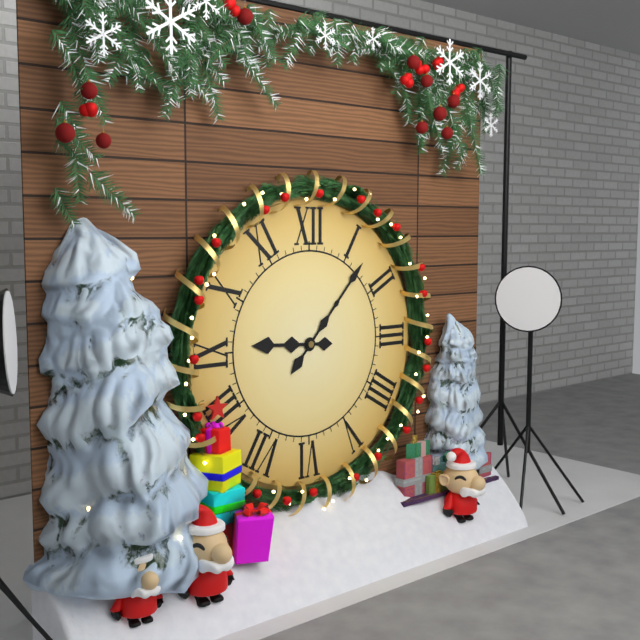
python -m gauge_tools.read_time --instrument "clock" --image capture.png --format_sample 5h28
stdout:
9h07
